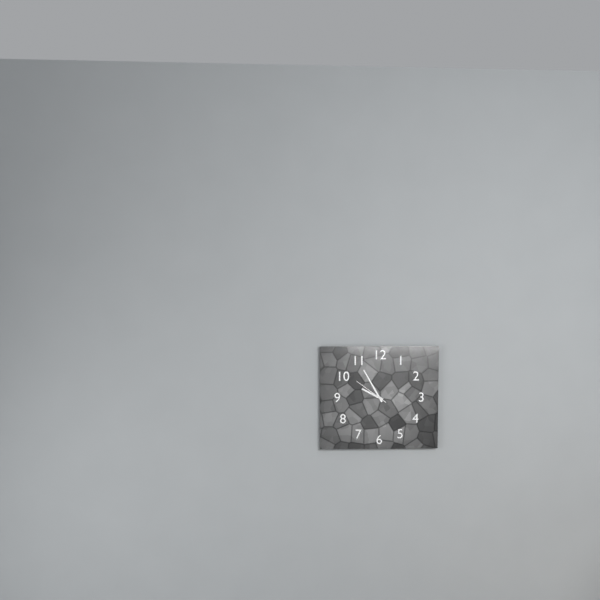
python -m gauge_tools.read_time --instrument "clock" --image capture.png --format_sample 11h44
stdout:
9h55
